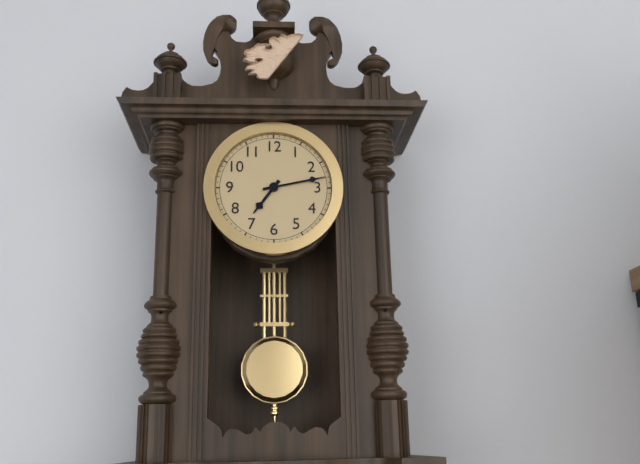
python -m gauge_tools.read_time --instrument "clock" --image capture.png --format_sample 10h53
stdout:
7h13
